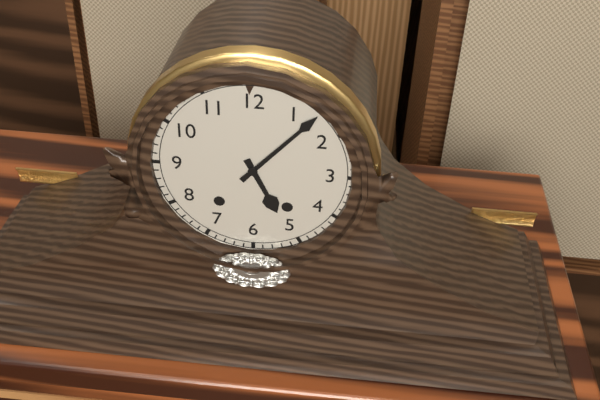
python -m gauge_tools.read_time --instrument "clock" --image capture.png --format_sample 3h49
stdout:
5h07
